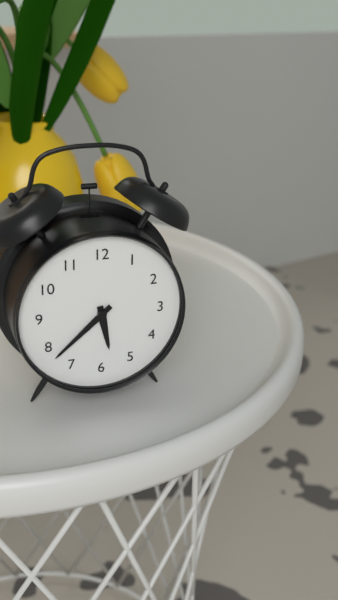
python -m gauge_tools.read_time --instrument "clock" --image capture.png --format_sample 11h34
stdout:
5h38
